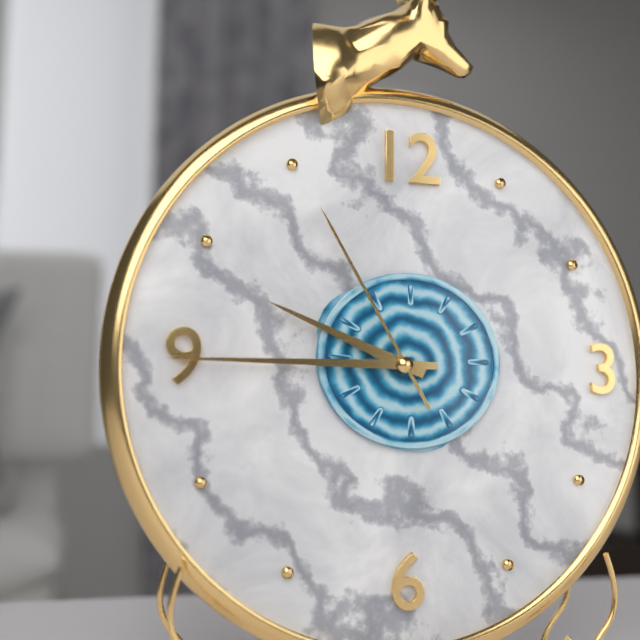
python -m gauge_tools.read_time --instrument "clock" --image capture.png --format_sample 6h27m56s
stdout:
9h45m55s
